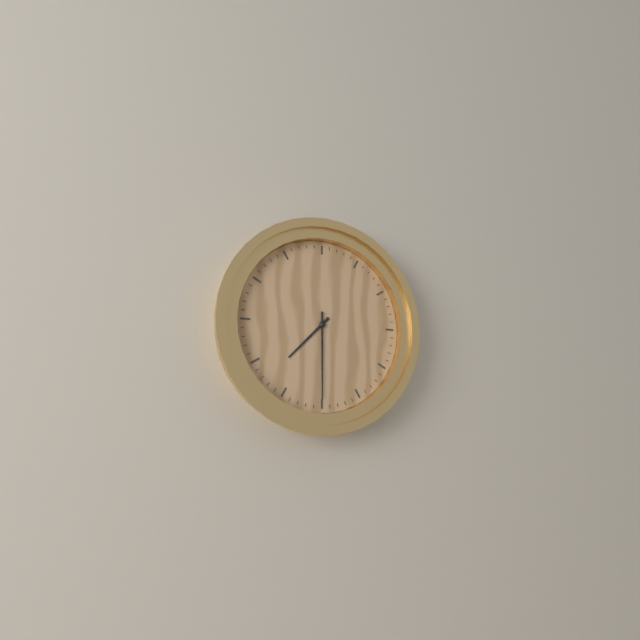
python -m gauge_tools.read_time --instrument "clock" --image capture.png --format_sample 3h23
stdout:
7h30
